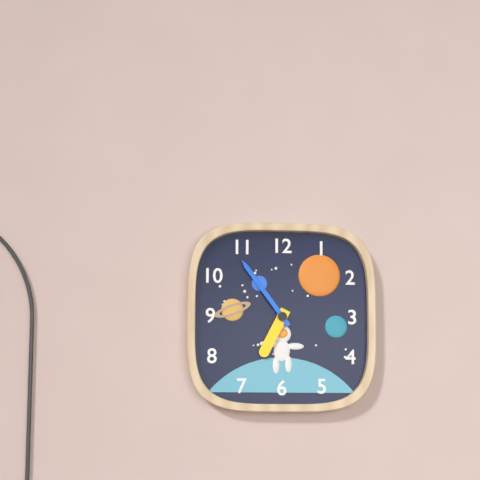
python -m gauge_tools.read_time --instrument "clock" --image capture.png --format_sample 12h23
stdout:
6h54
